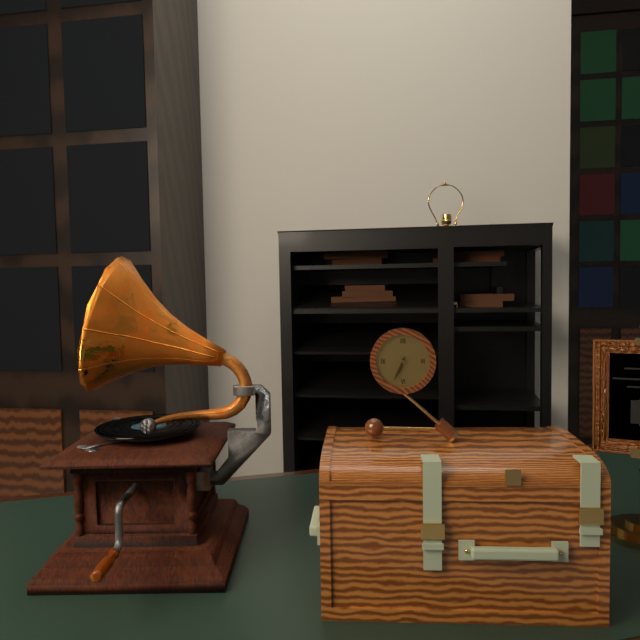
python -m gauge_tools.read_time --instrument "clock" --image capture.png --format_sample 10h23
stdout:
6h34
